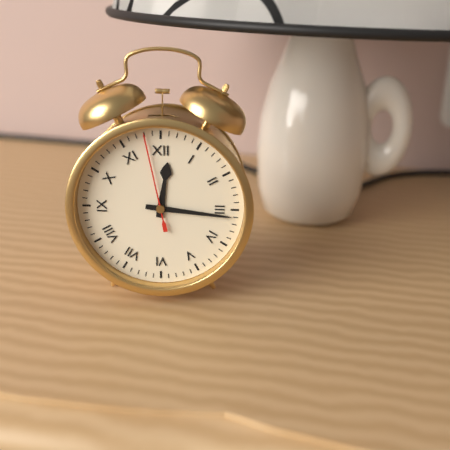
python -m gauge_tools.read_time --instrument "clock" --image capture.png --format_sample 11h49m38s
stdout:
12h16m58s
